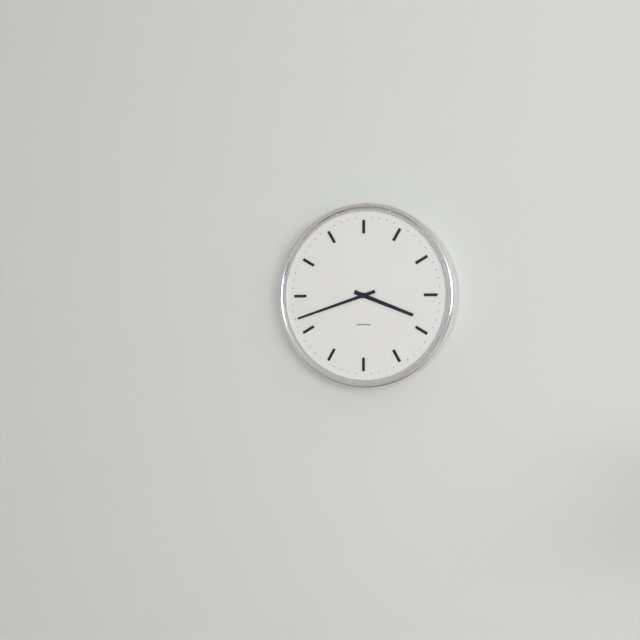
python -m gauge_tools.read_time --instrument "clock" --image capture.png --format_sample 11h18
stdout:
3h42
